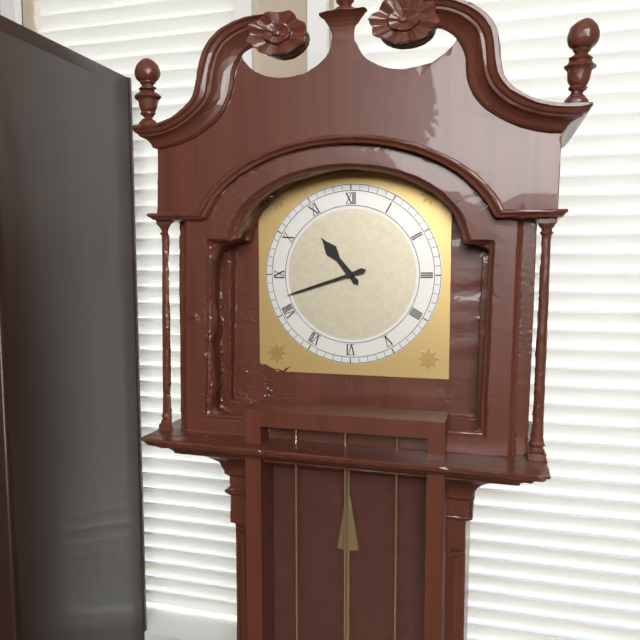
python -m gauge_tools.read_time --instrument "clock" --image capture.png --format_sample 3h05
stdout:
10h42
